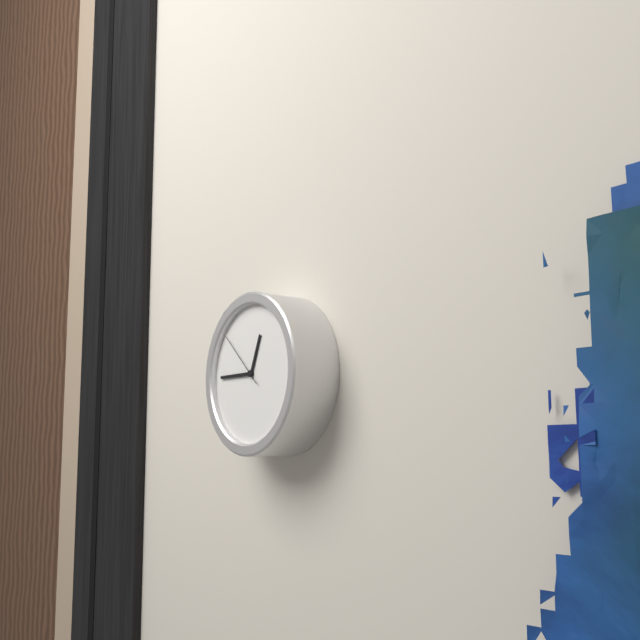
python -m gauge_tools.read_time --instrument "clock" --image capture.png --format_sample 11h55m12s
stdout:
12h45m52s
